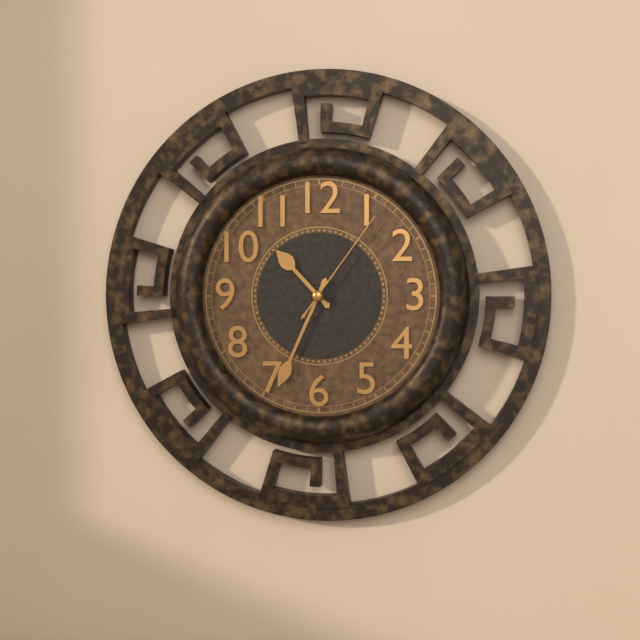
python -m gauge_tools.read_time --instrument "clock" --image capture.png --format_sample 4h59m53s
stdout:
10h34m06s
